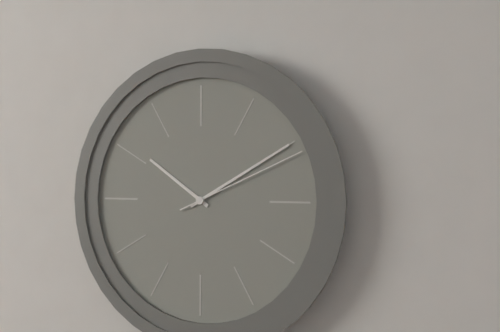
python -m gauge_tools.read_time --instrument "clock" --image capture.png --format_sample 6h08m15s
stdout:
10h10m11s
